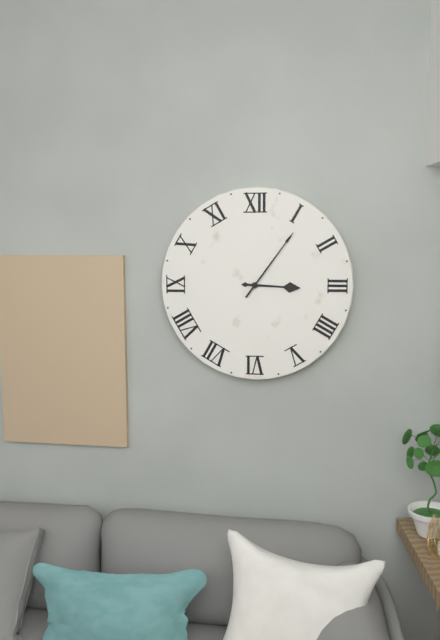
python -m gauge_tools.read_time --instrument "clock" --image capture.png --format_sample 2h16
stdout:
3h06
